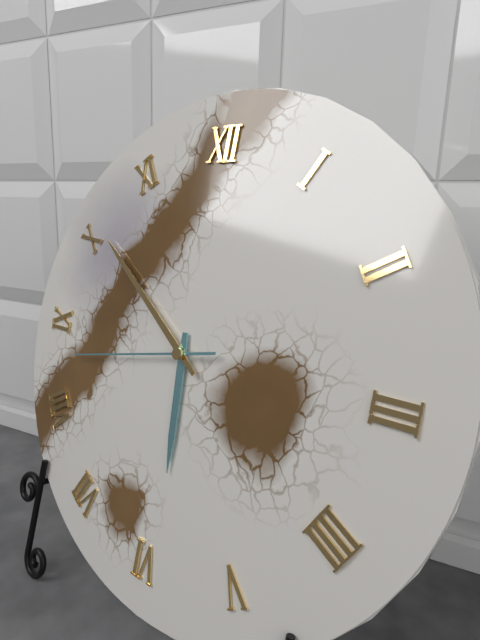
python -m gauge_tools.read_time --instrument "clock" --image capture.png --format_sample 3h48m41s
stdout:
5h51m43s
